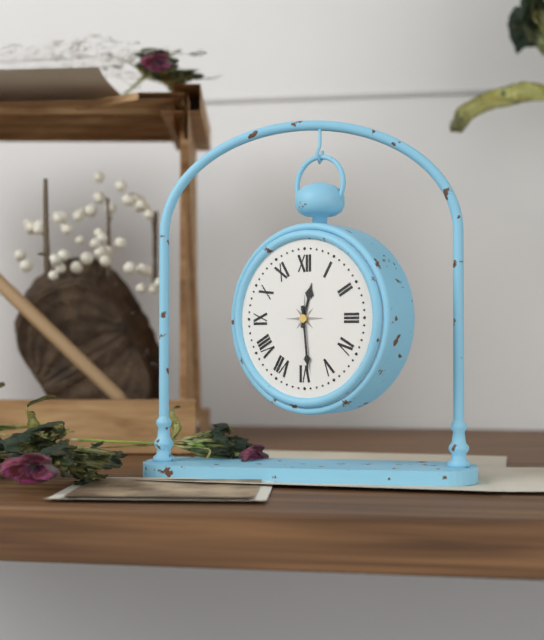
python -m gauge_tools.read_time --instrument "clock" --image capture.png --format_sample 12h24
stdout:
12h29
